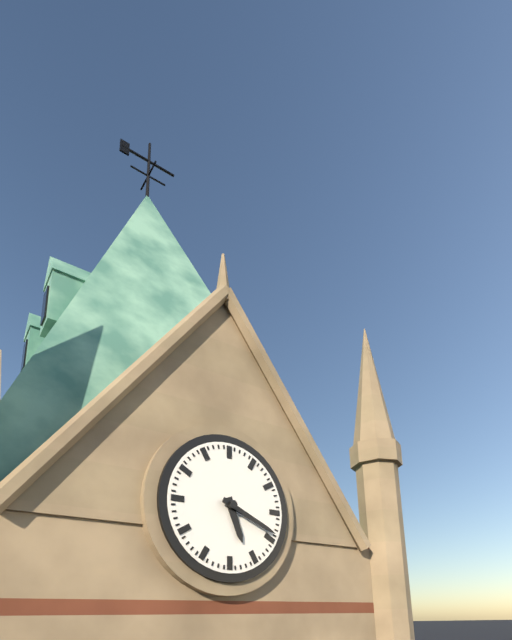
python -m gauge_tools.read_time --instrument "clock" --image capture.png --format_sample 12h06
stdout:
5h19
